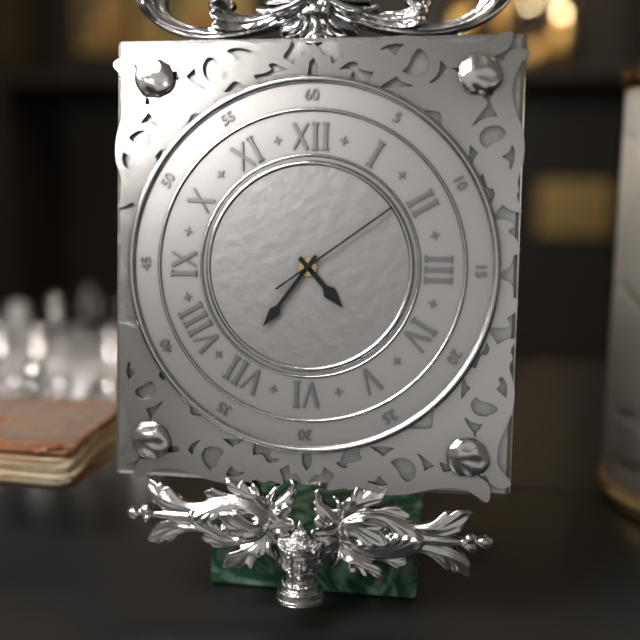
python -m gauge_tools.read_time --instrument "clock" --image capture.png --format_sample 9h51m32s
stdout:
4h36m09s
